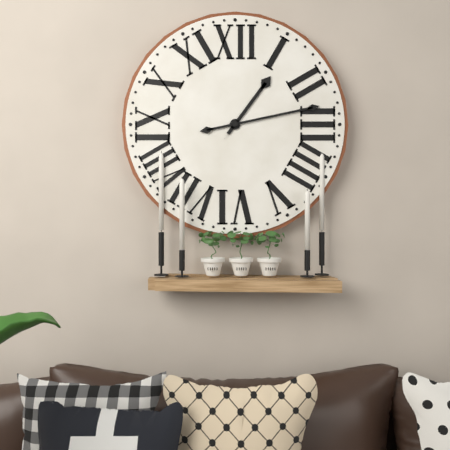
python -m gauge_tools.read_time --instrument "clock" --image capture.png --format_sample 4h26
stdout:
1h13
